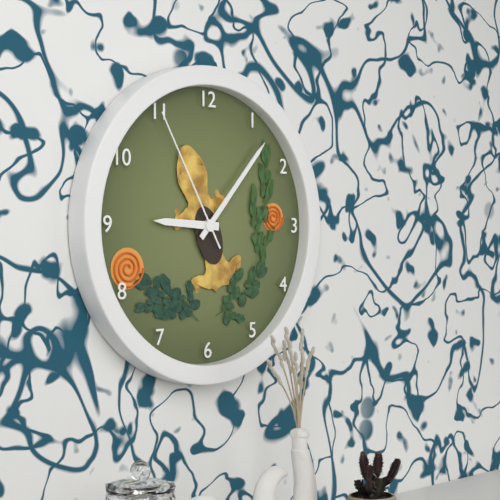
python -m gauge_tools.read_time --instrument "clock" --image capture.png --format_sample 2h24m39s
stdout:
9h07m55s
